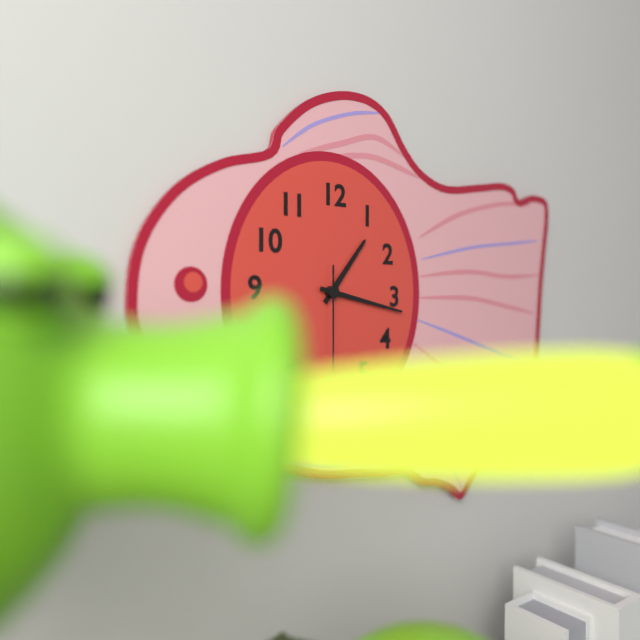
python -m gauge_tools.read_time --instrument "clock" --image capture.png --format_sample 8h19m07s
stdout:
1h17m30s
